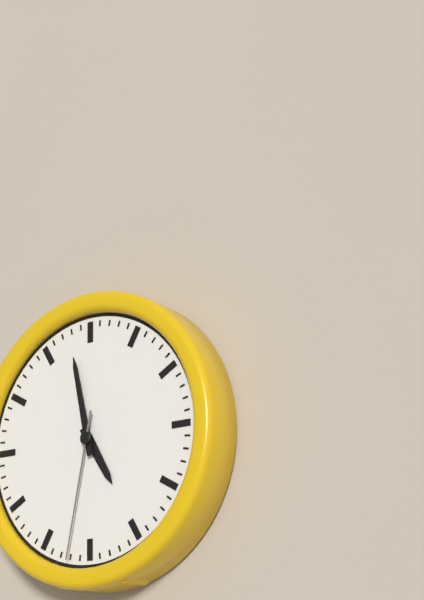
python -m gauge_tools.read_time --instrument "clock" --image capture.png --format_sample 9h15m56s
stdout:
4h58m32s
